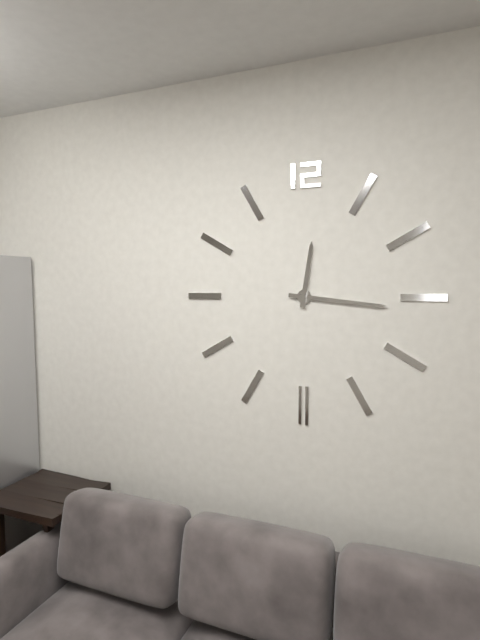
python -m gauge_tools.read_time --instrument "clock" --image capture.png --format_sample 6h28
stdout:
12h16
